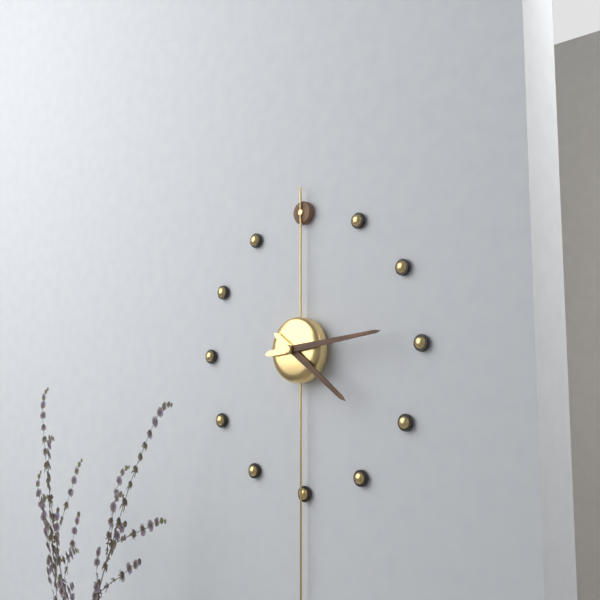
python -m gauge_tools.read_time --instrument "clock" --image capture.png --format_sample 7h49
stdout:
4h14
